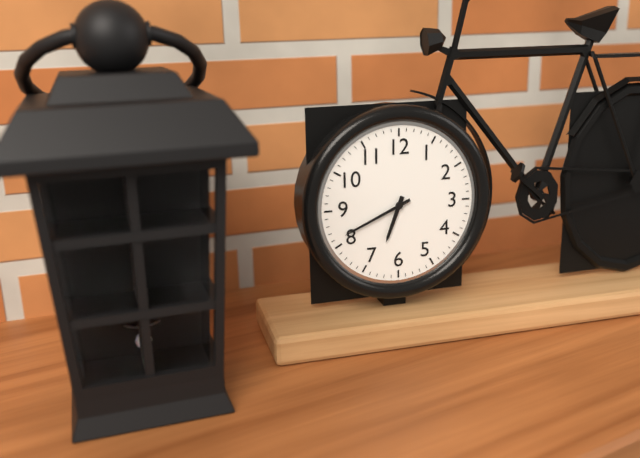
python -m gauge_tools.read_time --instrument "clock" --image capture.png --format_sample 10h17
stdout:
6h41
